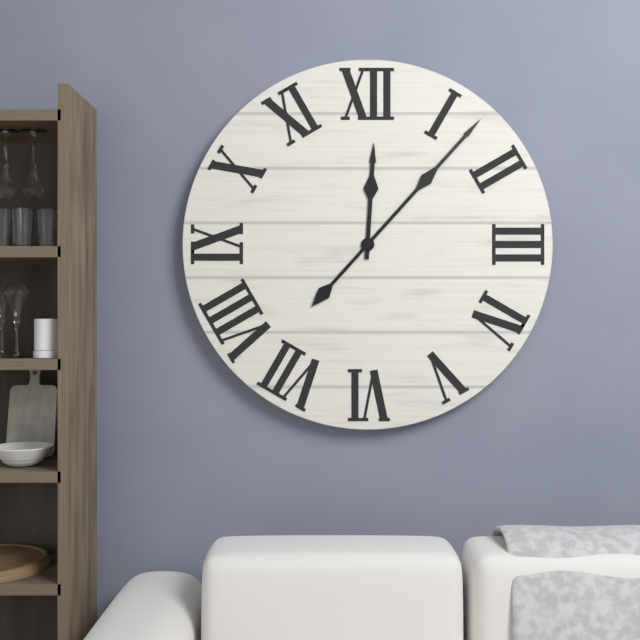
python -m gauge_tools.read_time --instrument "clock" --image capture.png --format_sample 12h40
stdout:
12h07
